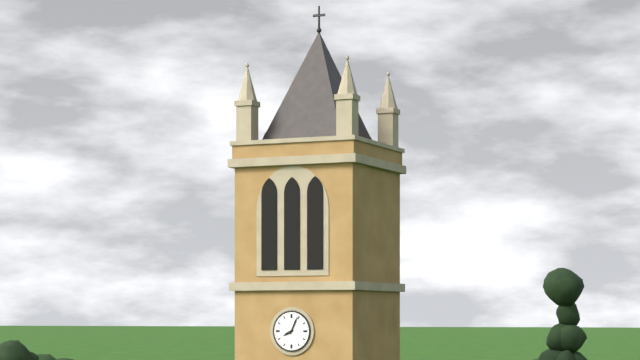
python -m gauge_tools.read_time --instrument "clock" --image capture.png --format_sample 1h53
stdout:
8h04
